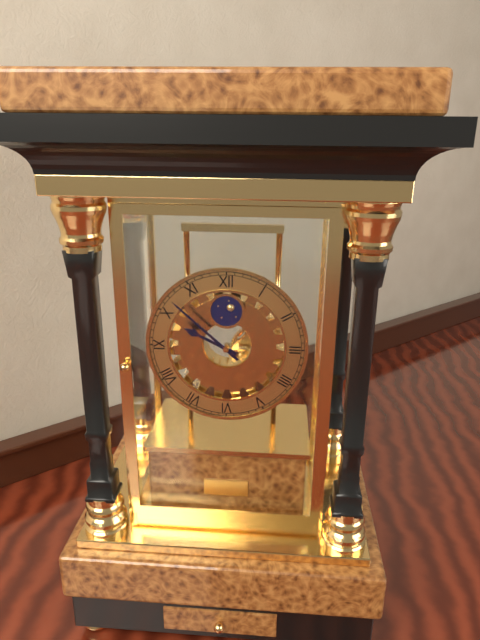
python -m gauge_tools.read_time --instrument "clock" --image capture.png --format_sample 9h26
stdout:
9h52
